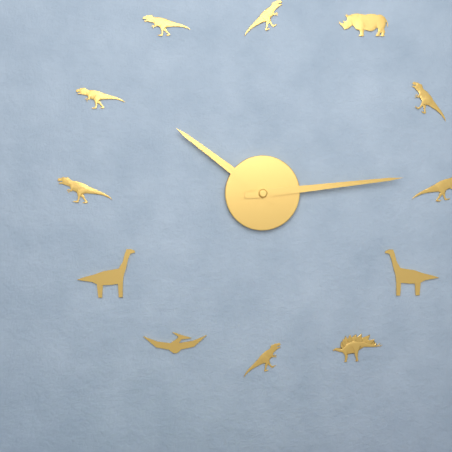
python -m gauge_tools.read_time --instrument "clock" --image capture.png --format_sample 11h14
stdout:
10h14
